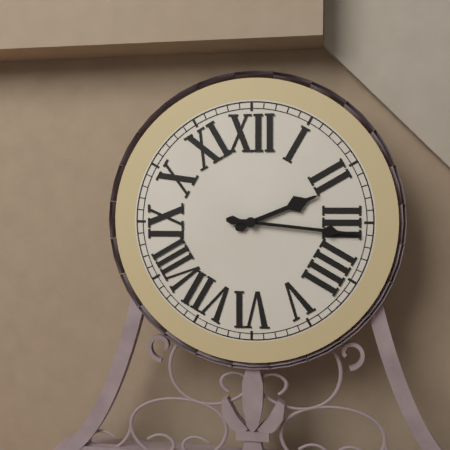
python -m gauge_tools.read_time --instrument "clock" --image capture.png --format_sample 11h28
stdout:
2h16
